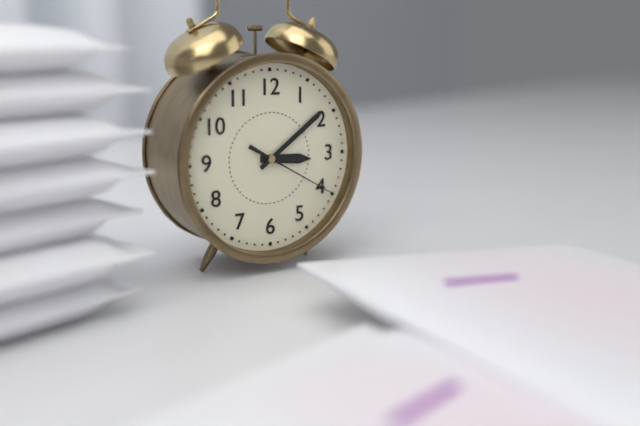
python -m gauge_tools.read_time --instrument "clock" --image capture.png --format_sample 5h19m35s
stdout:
3h09m20s
